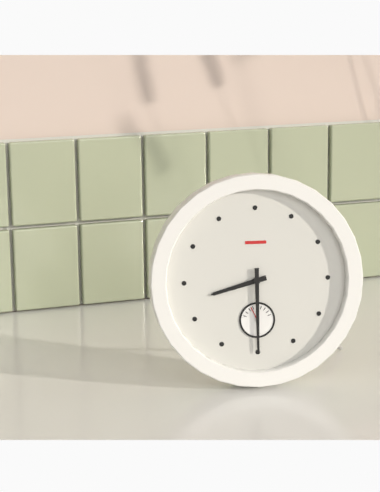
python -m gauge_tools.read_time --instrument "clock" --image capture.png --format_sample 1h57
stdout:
8h30
